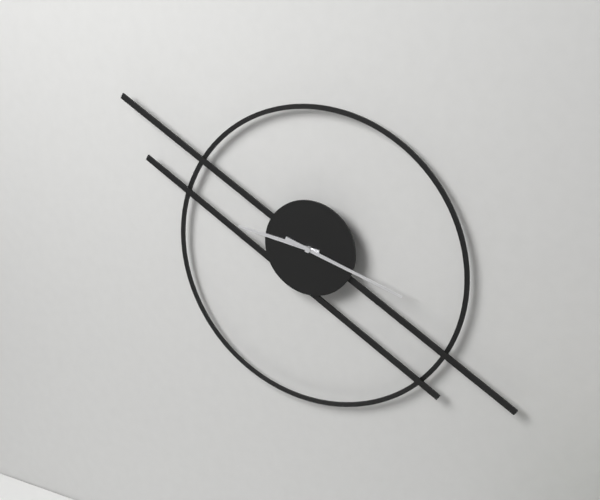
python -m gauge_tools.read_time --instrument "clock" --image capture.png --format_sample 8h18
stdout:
9h18
